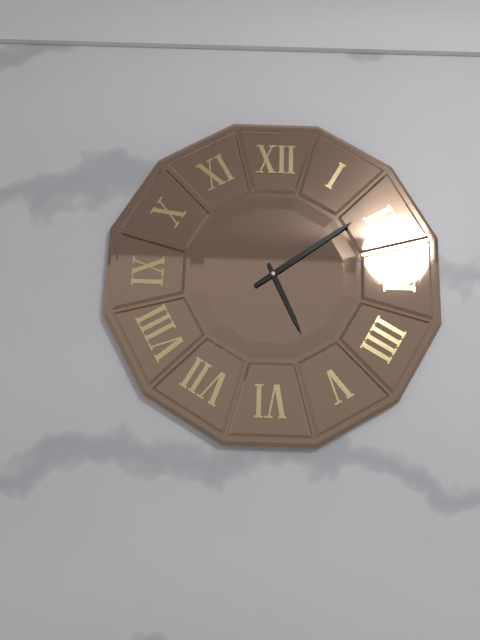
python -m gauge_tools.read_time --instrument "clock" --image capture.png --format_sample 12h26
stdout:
5h09
